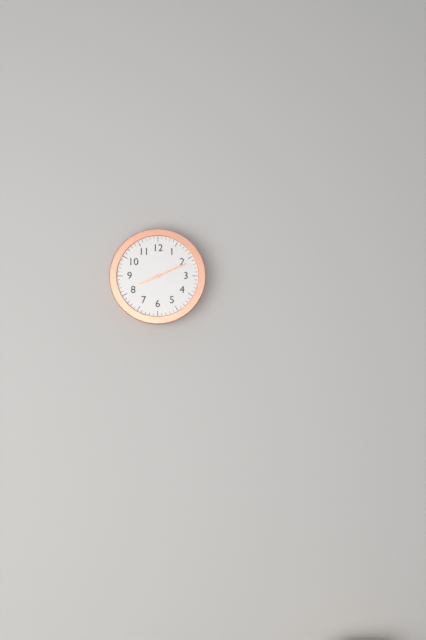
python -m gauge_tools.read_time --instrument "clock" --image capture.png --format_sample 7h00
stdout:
8h11
